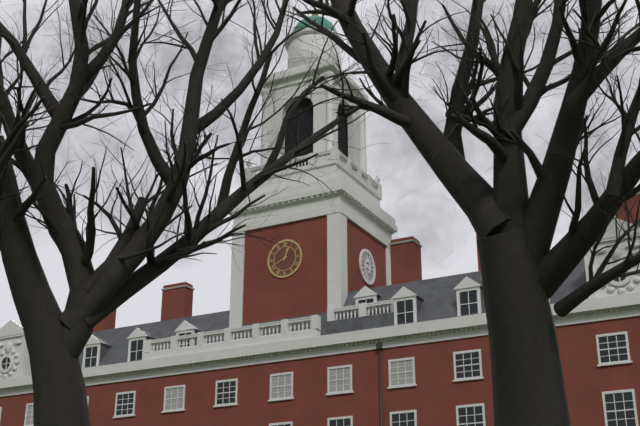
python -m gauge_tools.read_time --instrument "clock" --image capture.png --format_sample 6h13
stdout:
12h41
